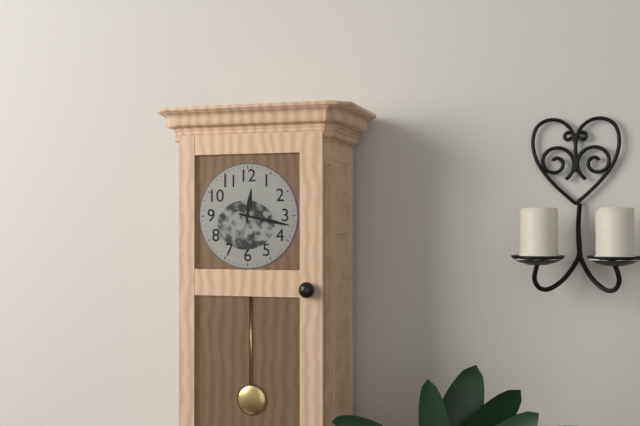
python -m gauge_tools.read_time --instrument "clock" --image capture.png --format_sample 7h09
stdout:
12h17
